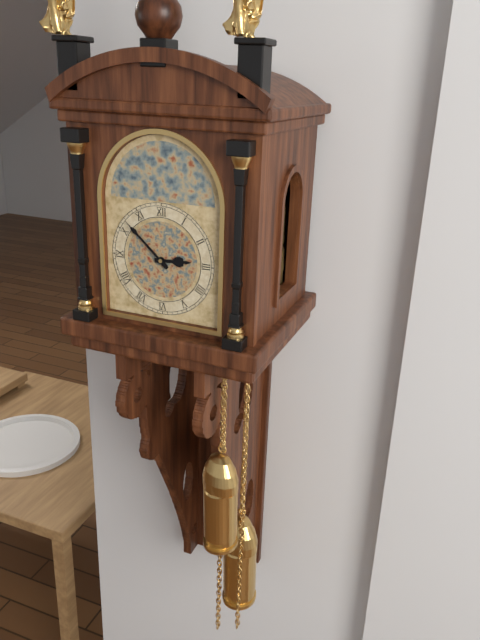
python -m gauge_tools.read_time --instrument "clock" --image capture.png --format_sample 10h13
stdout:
2h52
